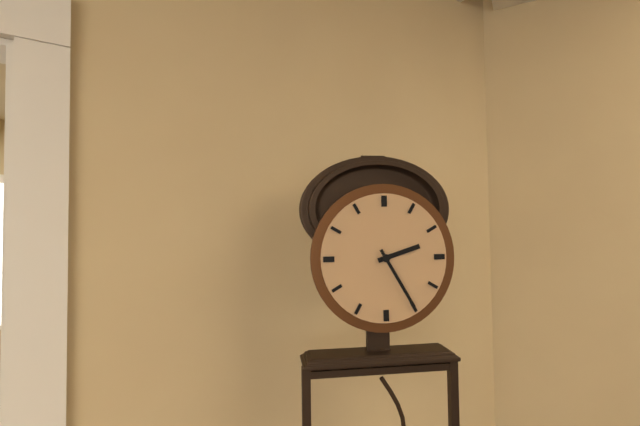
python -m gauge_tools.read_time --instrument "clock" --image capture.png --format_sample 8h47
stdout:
2h25
